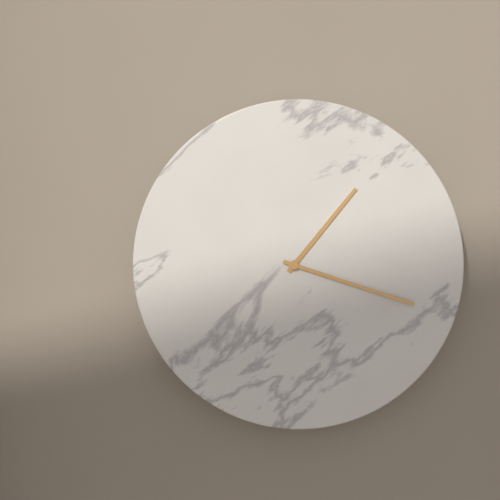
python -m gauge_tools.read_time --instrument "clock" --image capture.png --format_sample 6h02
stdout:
1h18
